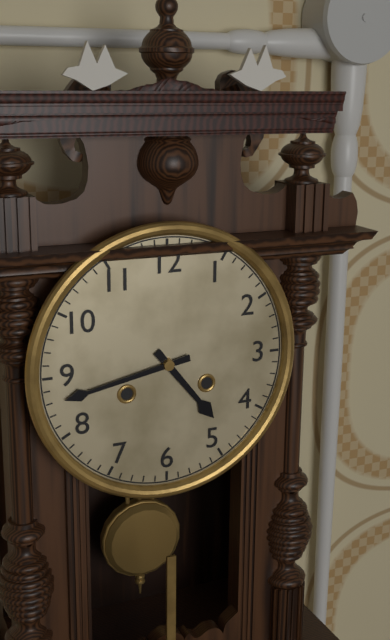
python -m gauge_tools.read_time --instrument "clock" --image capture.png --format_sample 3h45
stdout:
4h43
